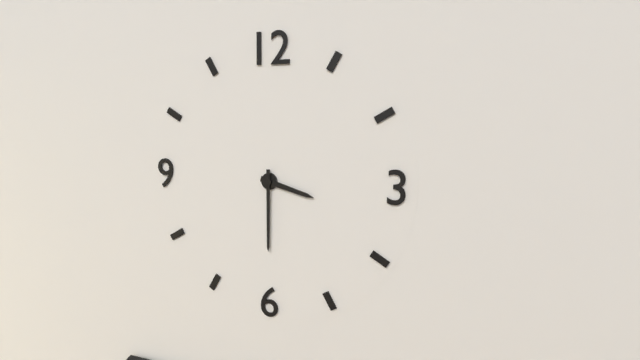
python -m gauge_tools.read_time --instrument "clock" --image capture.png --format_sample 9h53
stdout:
3h30
